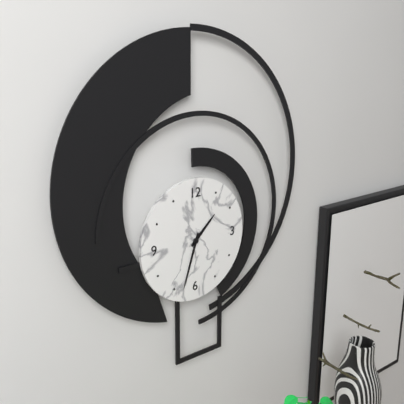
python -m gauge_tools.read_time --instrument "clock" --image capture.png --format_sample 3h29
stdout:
1h33
